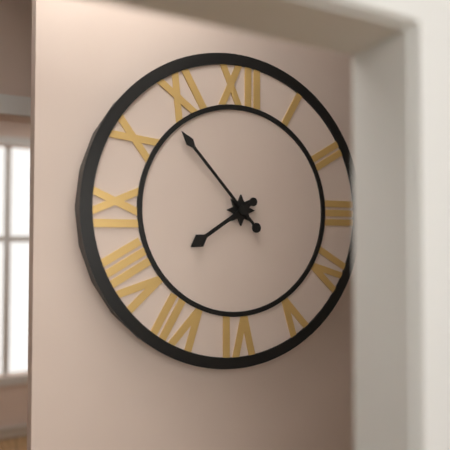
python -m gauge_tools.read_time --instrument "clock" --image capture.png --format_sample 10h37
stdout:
7h53
